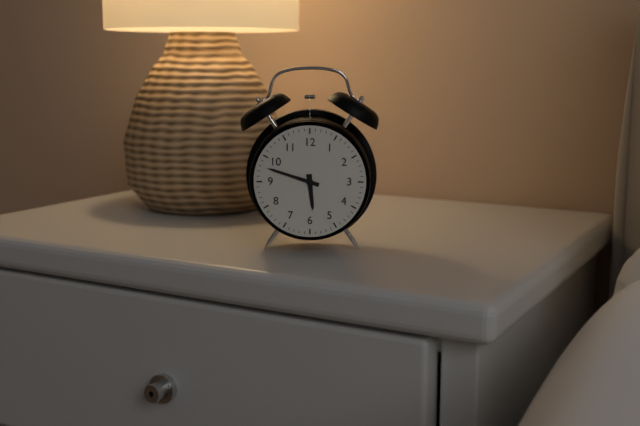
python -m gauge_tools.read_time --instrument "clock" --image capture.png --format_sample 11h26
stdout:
5h48
